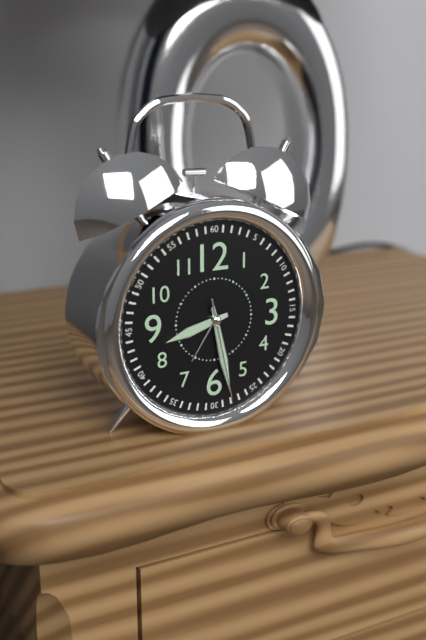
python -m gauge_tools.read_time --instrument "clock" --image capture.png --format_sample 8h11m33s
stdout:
8h28m28s
